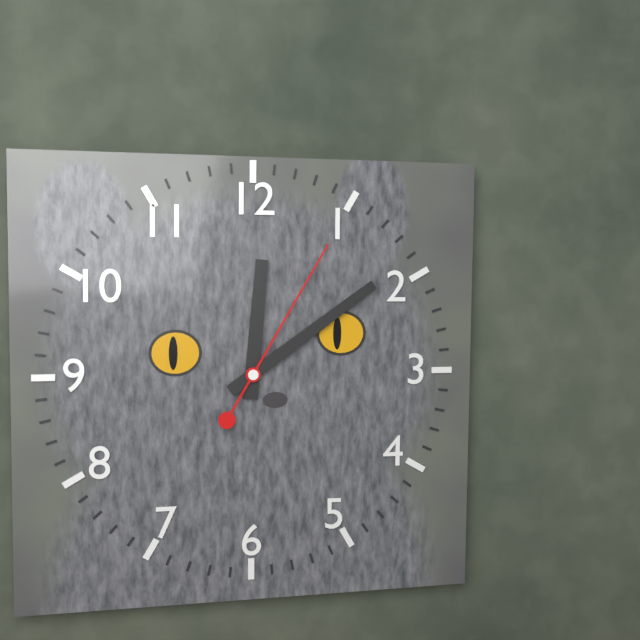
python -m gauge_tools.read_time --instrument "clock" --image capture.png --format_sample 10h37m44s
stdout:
12h09m05s
